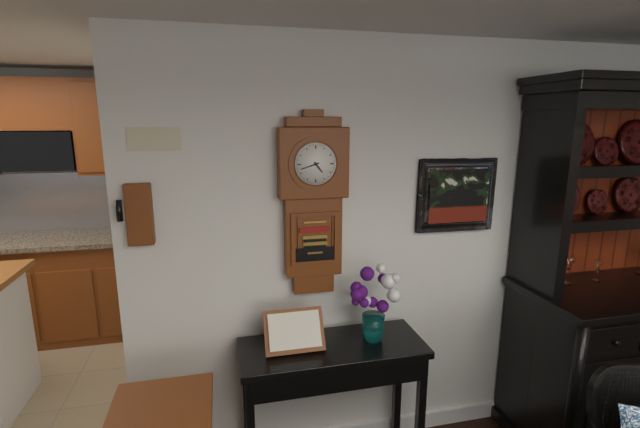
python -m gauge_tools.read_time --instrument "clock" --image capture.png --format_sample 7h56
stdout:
4h42
